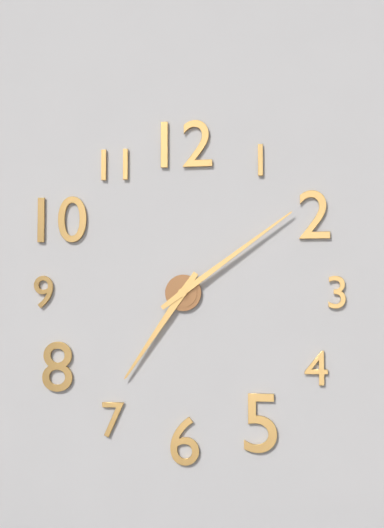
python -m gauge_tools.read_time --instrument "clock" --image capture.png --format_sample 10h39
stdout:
7h09
